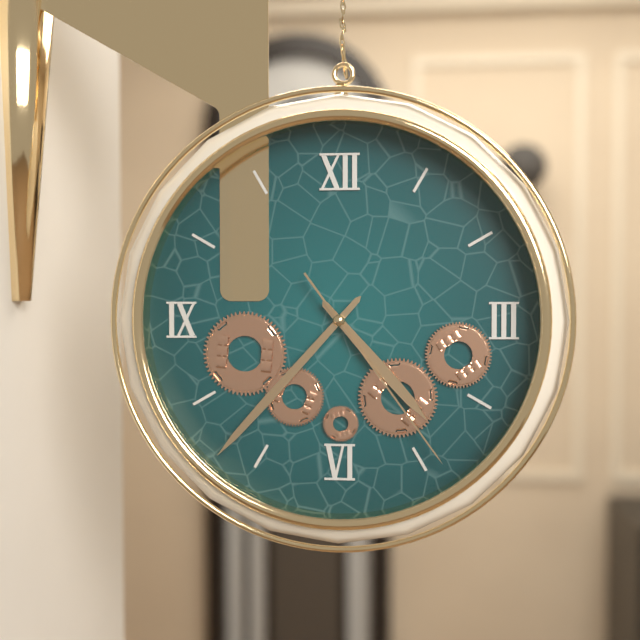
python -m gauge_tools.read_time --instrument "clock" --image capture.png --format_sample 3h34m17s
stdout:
4h37m24s
